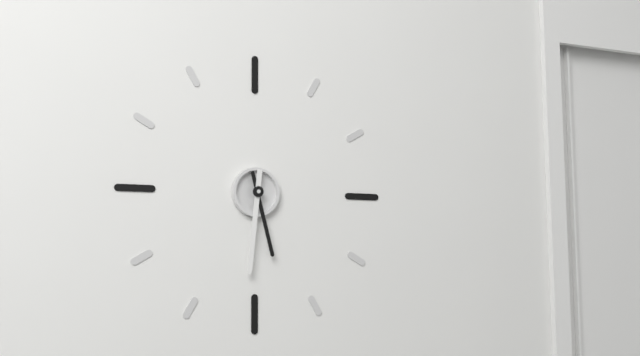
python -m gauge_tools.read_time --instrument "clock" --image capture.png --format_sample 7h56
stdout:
5h31
